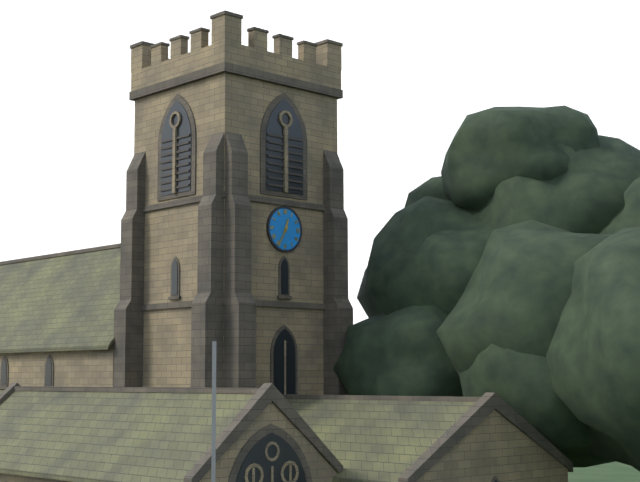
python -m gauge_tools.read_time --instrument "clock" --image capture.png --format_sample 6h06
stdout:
12h35
